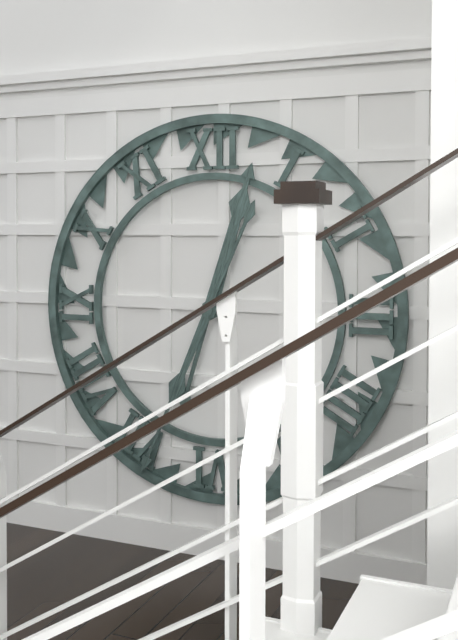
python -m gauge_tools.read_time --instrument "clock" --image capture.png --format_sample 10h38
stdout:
12h34
